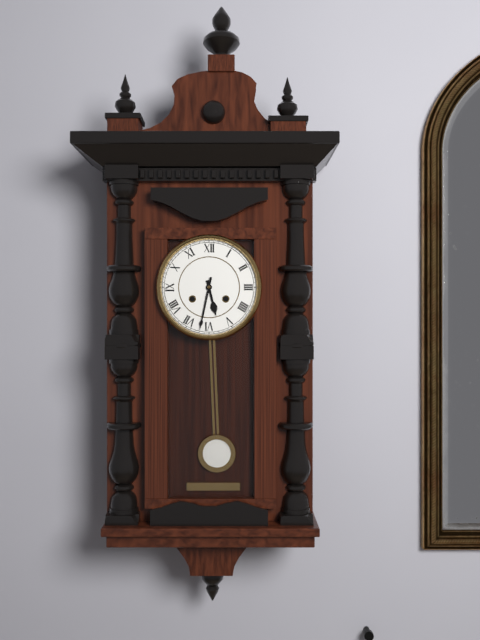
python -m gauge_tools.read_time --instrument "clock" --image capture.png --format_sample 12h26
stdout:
5h32
